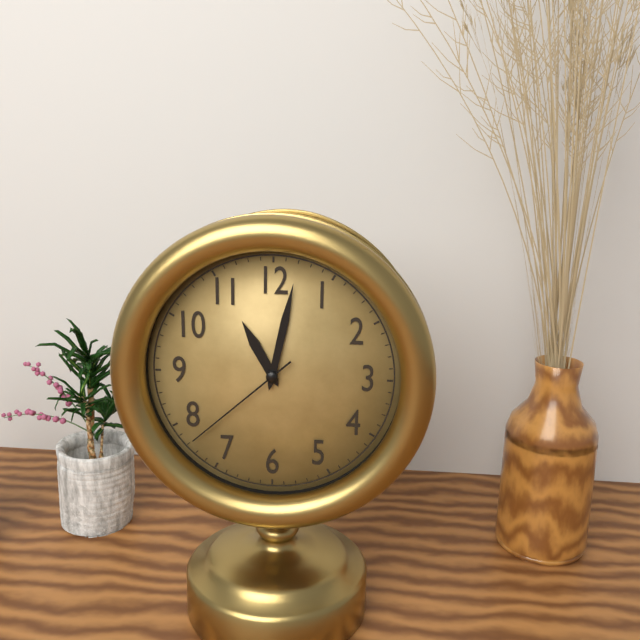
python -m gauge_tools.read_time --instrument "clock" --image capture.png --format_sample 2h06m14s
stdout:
11h02m38s
